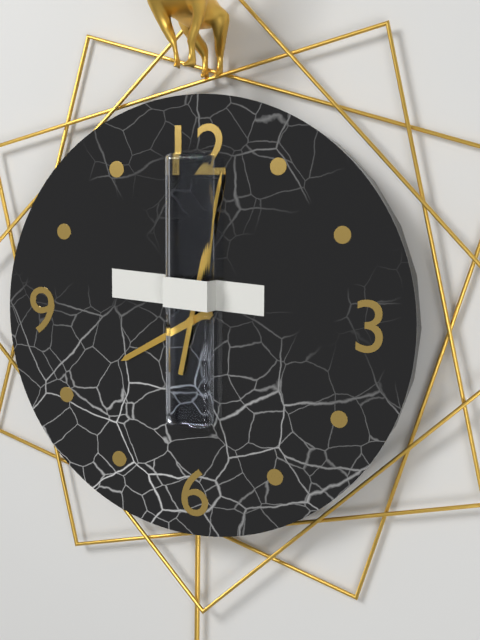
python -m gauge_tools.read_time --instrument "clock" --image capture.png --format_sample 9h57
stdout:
8h02
